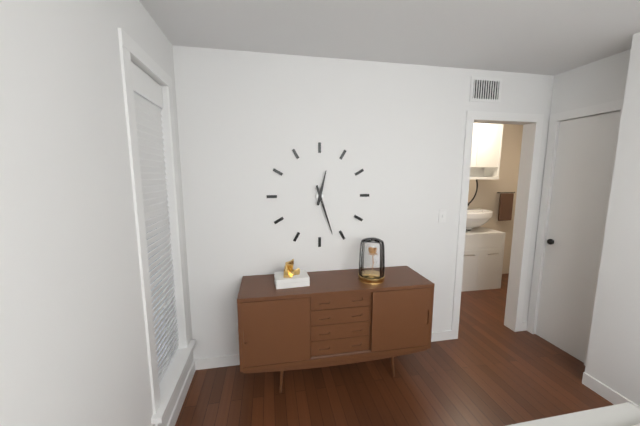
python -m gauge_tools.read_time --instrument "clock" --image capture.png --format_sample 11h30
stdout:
12h27
